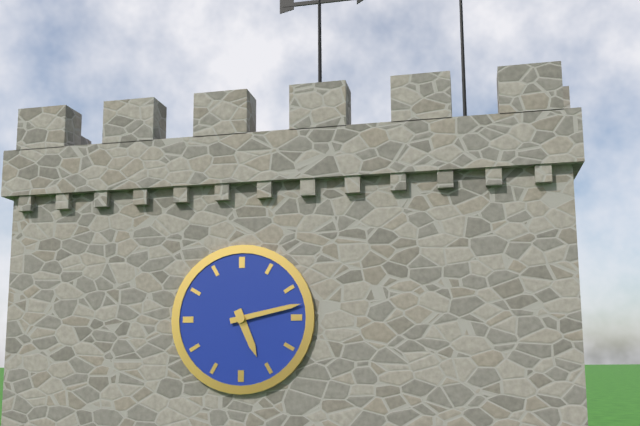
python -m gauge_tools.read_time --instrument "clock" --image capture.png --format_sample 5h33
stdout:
5h13
